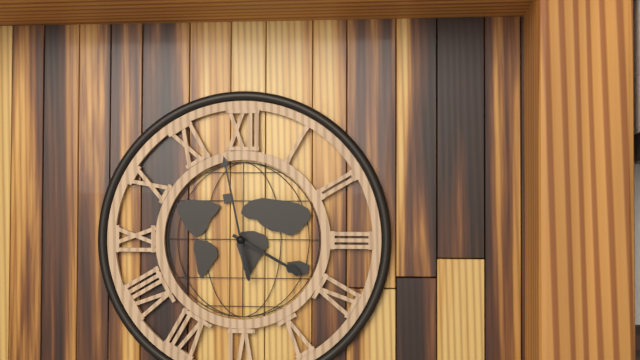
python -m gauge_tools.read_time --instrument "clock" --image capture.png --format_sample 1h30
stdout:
3h58
